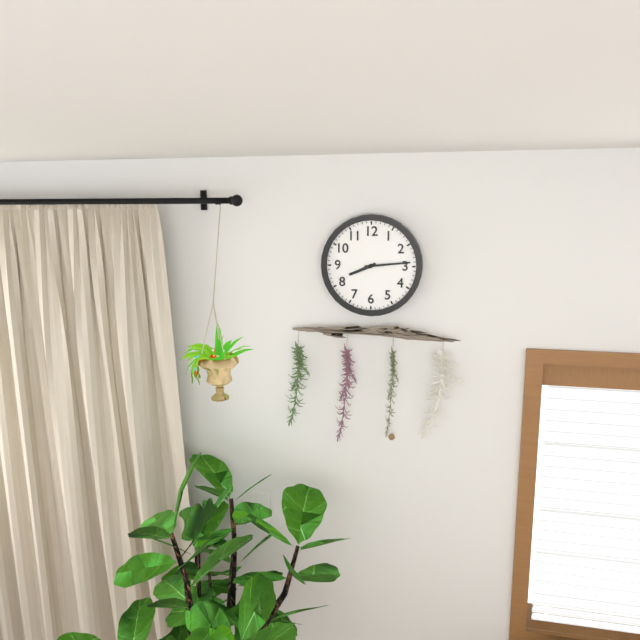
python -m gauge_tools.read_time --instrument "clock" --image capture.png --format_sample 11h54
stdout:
8h14
